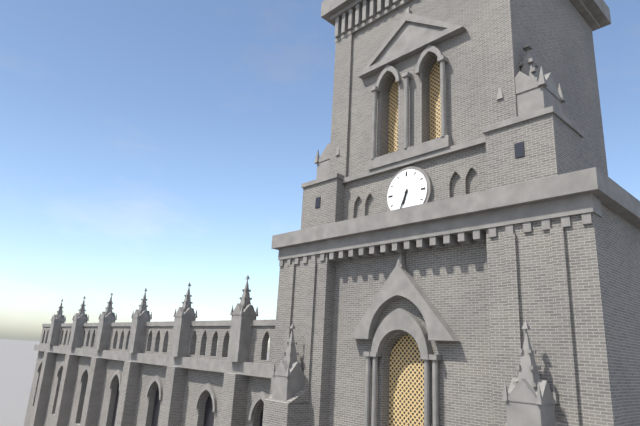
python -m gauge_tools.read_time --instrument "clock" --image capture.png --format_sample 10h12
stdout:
6h34
